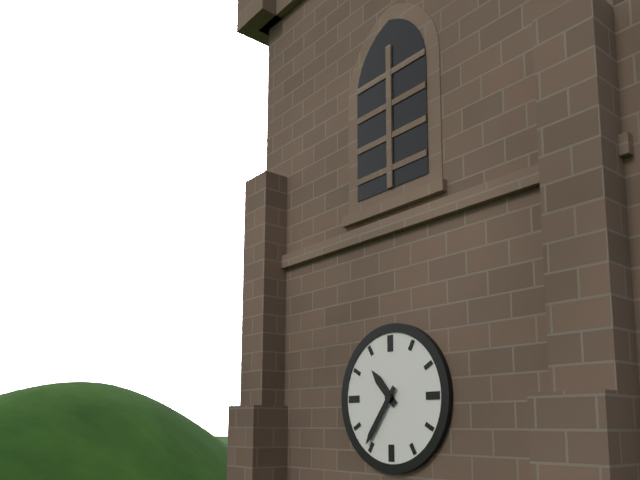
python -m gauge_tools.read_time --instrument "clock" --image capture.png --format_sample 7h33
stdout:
10h36
